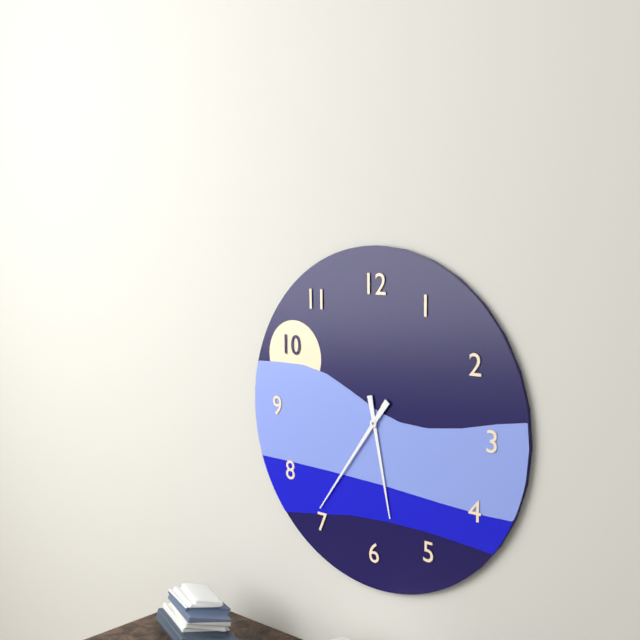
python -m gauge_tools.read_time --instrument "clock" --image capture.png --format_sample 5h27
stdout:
5h36
